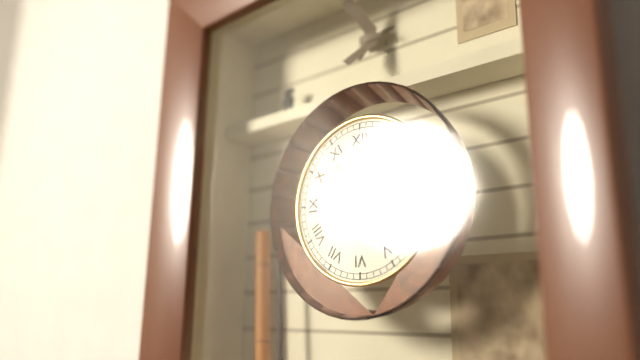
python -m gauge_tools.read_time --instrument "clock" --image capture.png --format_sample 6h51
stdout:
12h53
